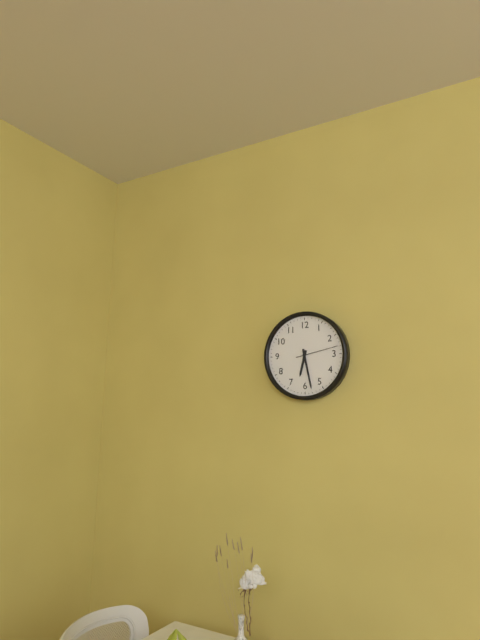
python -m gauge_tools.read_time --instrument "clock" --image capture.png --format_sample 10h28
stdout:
6h28
